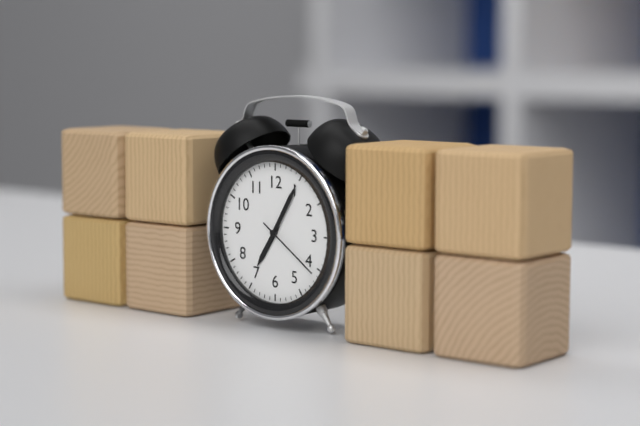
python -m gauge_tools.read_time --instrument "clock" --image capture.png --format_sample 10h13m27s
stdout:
7h05m21s
